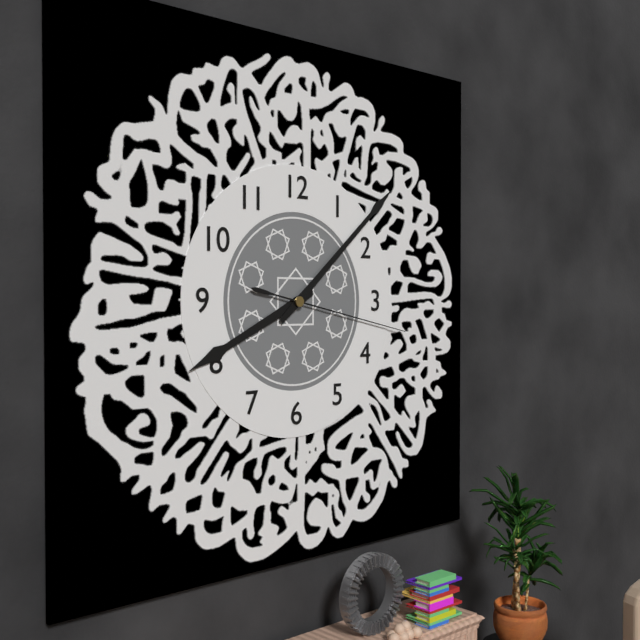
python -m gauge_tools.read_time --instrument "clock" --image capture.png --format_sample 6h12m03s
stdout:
8h08m17s
